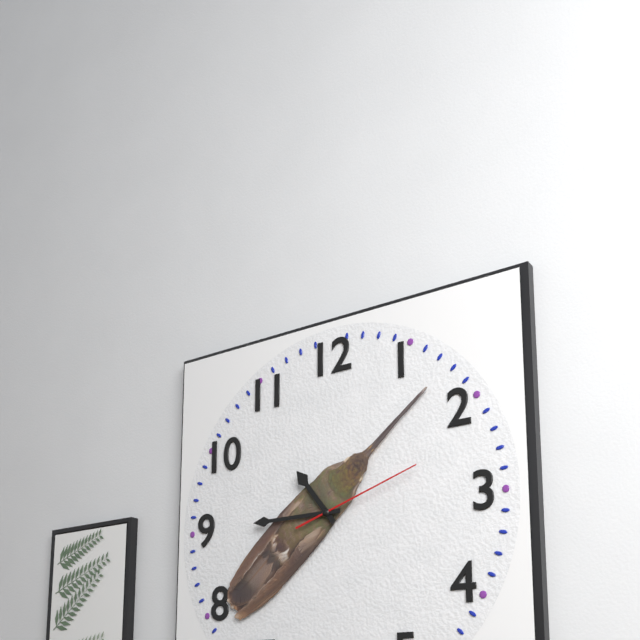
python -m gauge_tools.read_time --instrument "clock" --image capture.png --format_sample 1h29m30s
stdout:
10h45m12s
